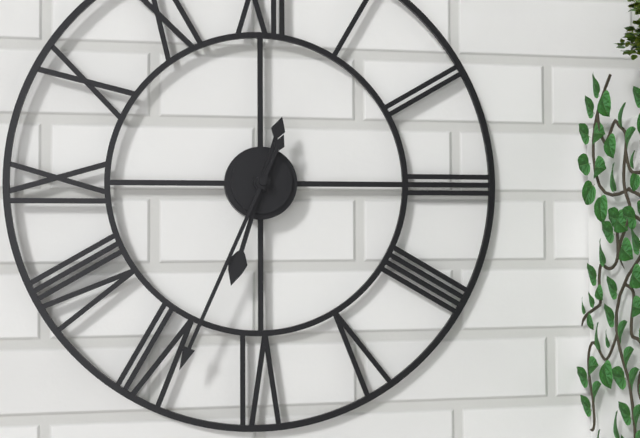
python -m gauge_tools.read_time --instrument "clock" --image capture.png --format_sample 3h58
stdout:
6h34
